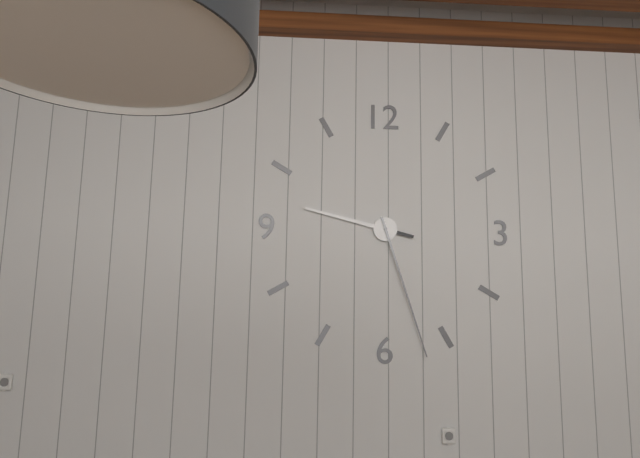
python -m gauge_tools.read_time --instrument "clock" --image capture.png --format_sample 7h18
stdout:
9h27
